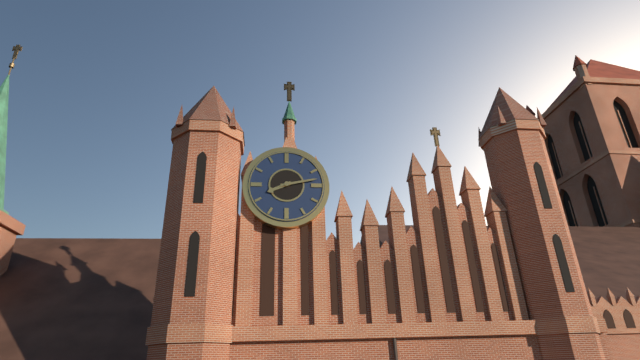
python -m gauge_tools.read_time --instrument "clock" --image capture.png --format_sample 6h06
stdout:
8h13
